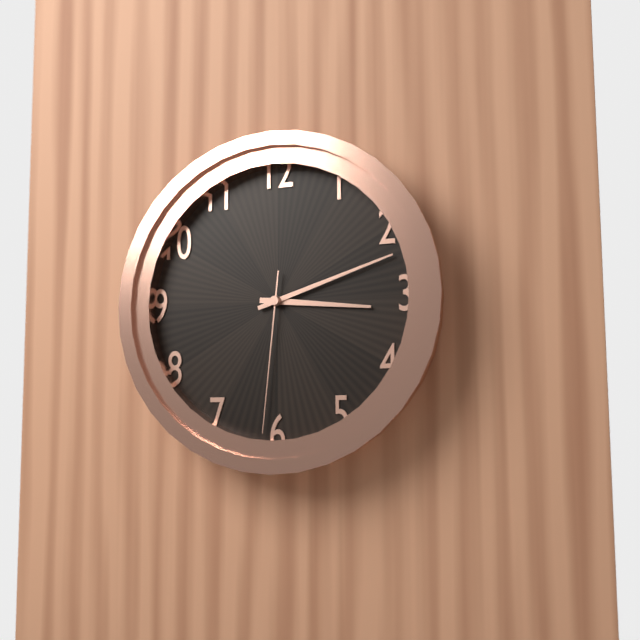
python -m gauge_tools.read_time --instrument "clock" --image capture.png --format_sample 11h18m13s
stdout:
3h12m31s
